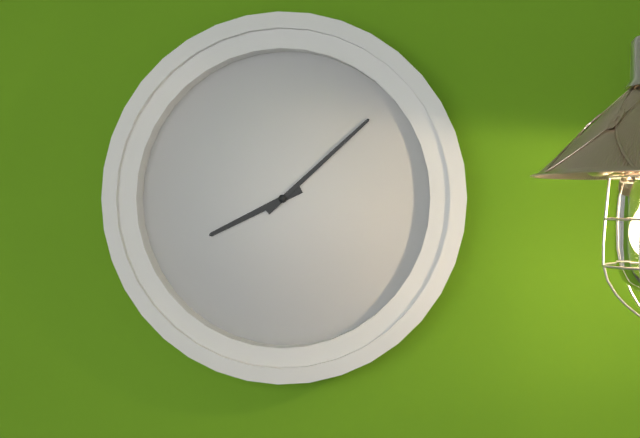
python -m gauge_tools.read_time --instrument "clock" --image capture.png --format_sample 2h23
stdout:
8h08
